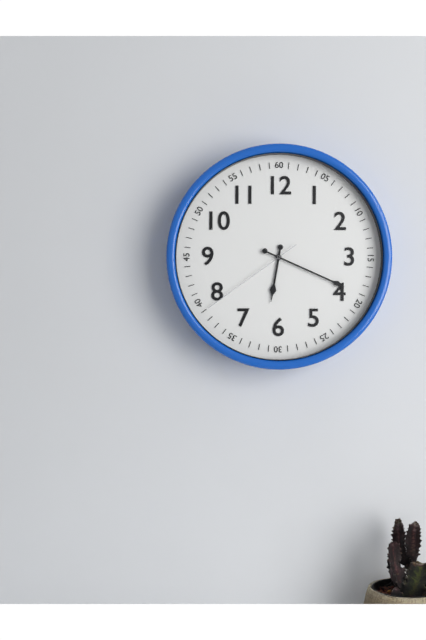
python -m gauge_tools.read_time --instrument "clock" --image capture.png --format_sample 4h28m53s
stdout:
6h19m39s
